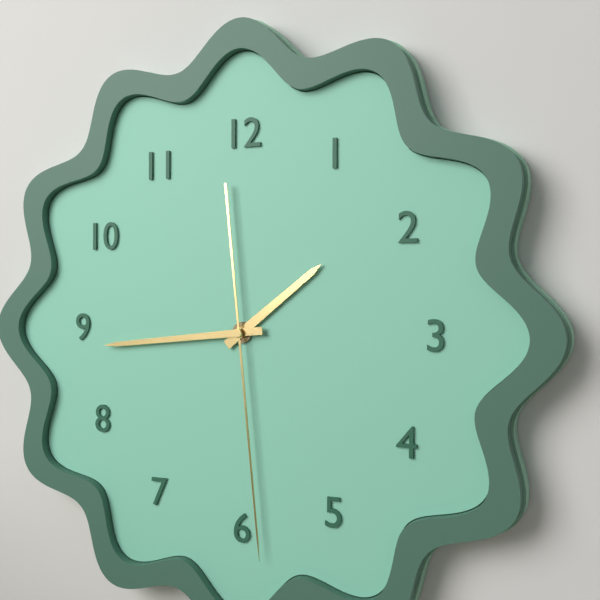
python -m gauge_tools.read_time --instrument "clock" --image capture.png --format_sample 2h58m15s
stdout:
1h44m29s
